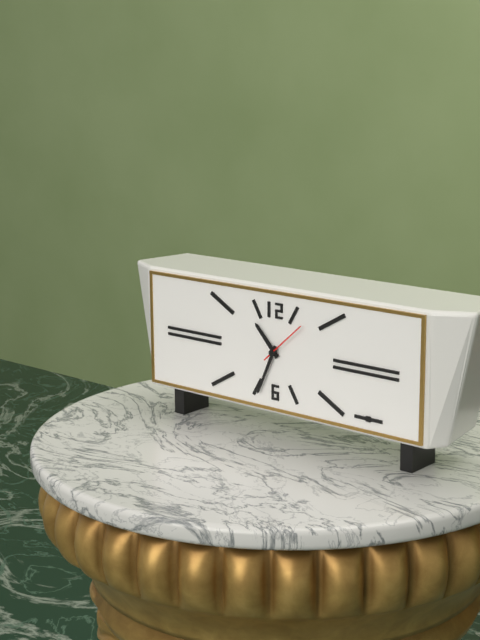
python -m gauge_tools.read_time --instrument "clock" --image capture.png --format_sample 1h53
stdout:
10h34
